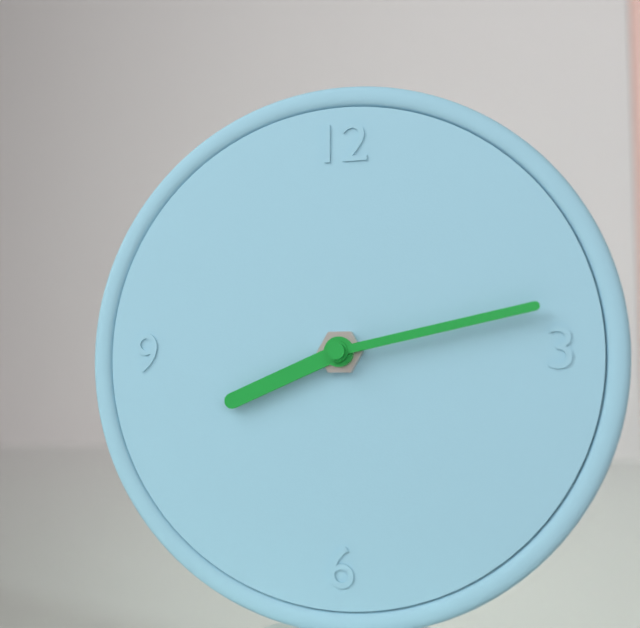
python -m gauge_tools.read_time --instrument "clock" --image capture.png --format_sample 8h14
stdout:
8h13
